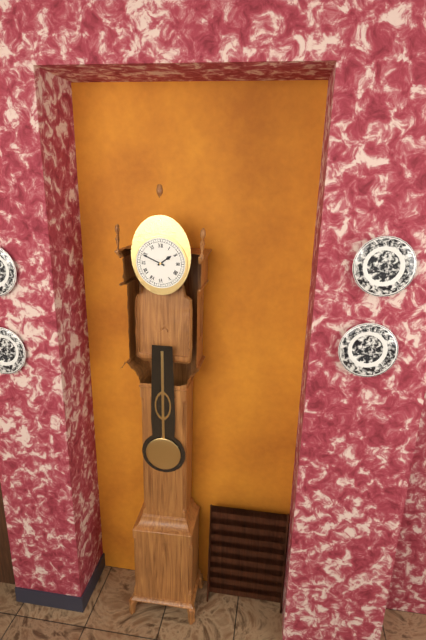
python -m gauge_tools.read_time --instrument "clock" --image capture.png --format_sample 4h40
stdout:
1h49
